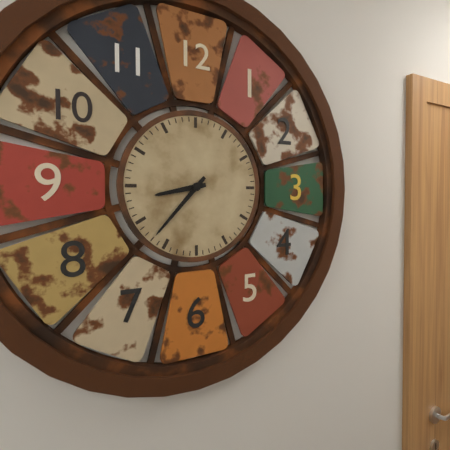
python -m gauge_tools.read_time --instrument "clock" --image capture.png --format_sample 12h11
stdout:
8h37
